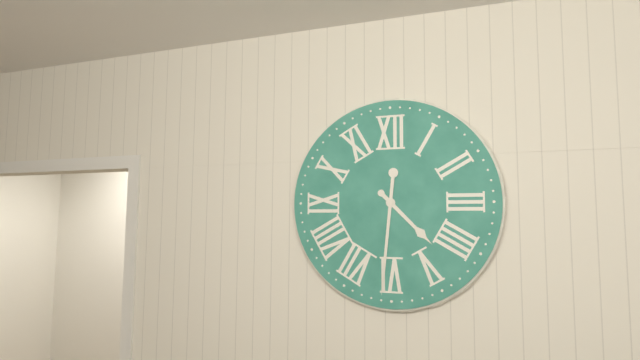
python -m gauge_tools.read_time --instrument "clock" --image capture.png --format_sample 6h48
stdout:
4h31
